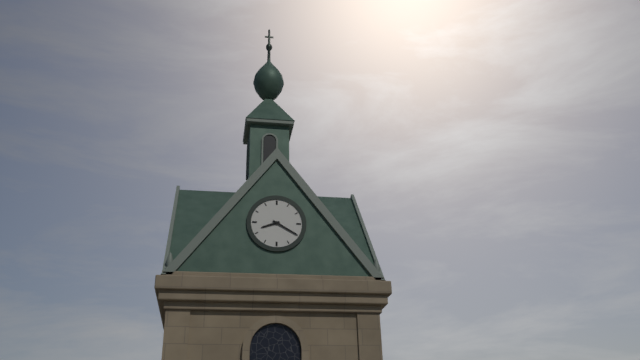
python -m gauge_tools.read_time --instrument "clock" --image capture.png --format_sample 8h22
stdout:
8h20
